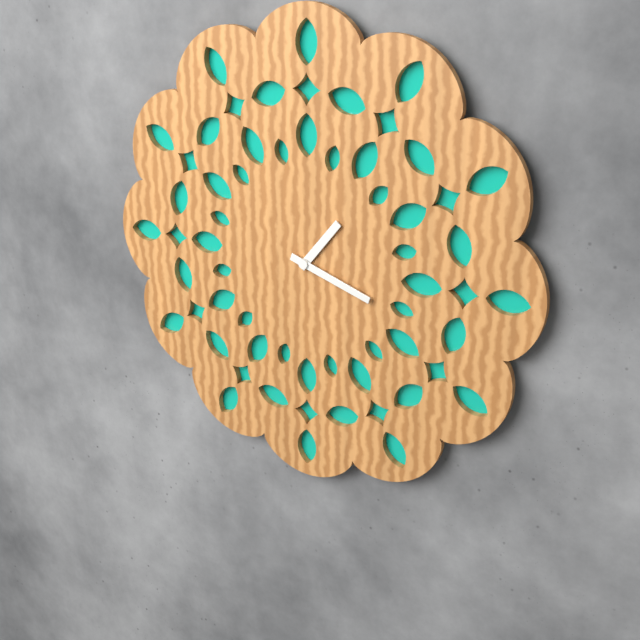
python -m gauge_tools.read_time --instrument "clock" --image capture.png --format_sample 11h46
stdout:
1h18
